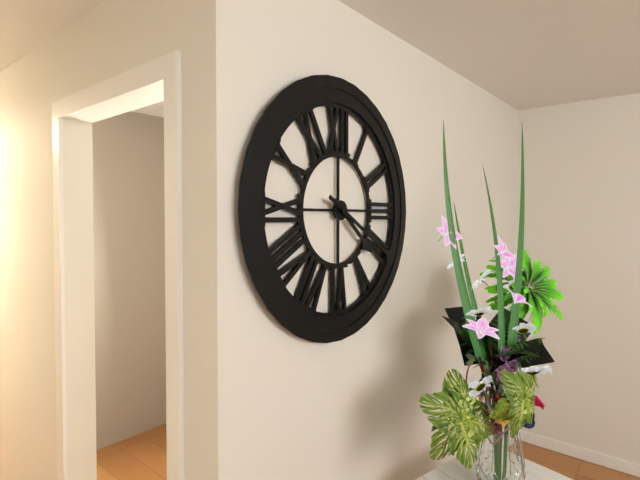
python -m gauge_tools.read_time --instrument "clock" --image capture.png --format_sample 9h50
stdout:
4h20
